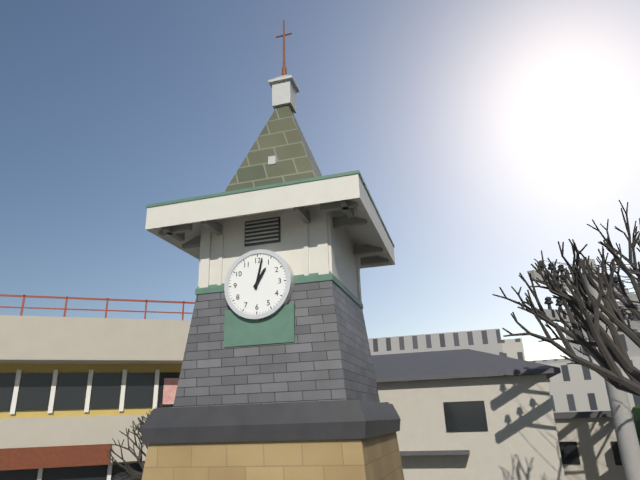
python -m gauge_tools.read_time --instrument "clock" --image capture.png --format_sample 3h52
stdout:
1h02
